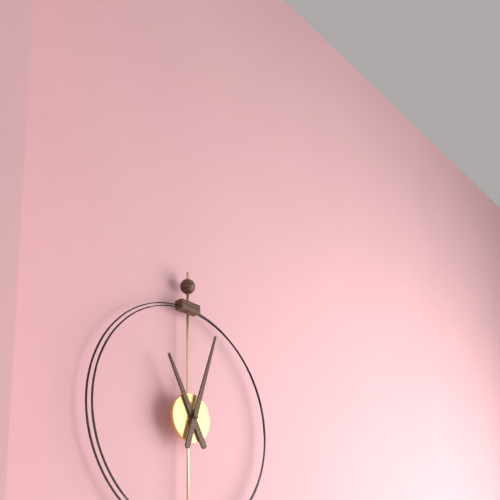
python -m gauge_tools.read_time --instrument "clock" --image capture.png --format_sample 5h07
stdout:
11h03
